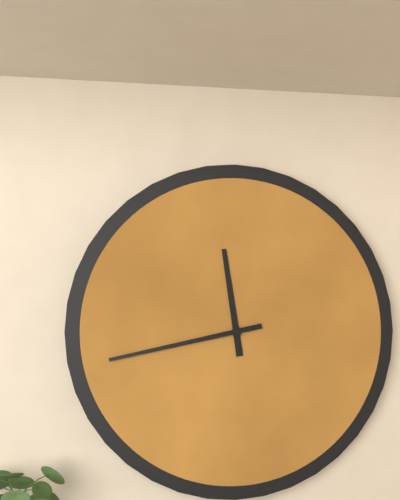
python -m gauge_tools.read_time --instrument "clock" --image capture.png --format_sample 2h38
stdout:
11h43
